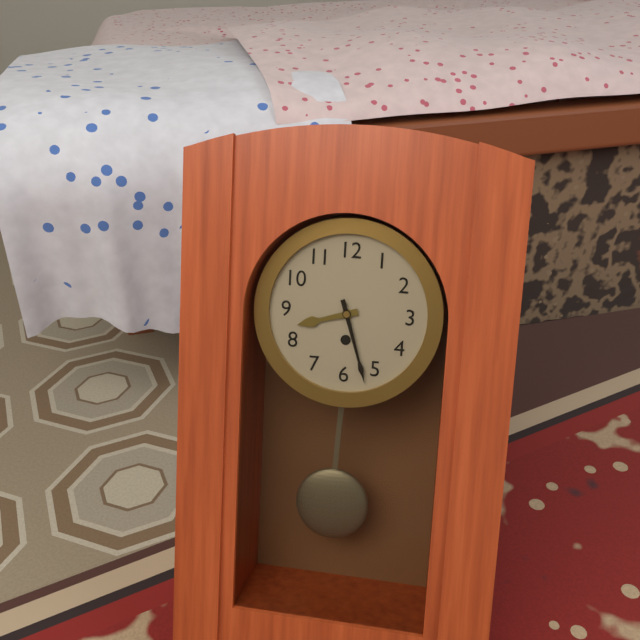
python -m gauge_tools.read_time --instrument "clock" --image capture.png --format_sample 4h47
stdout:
8h27
